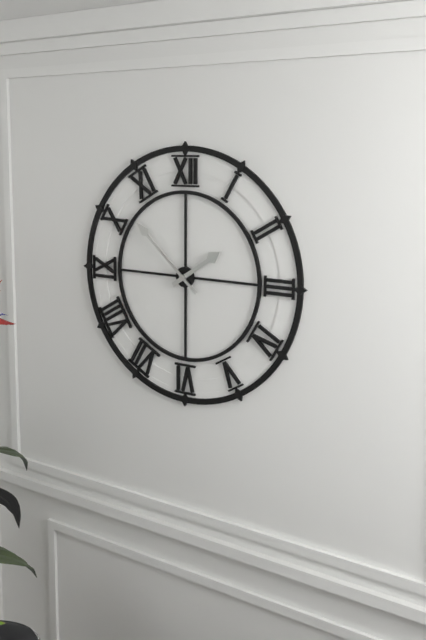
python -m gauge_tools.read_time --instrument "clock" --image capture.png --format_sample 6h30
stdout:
1h52
